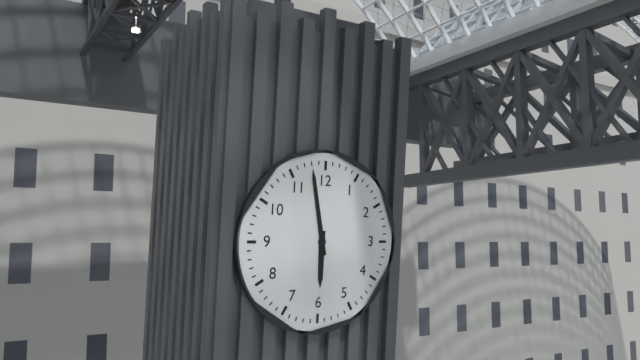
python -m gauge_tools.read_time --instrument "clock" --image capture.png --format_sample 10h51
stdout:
5h58
